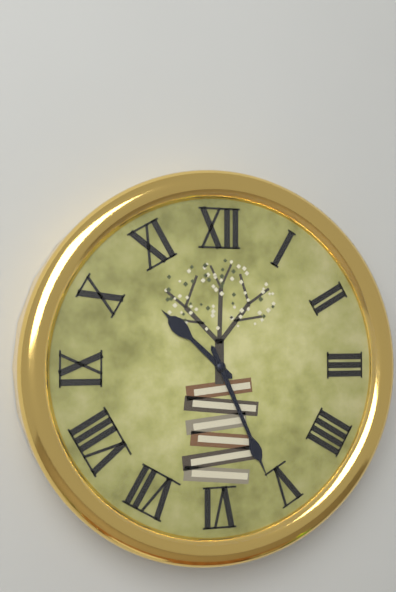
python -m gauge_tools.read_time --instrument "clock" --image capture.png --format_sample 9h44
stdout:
10h26
